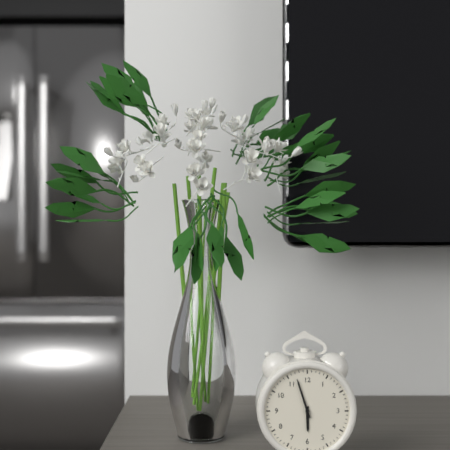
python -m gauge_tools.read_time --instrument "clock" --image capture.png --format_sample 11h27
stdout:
5h57
